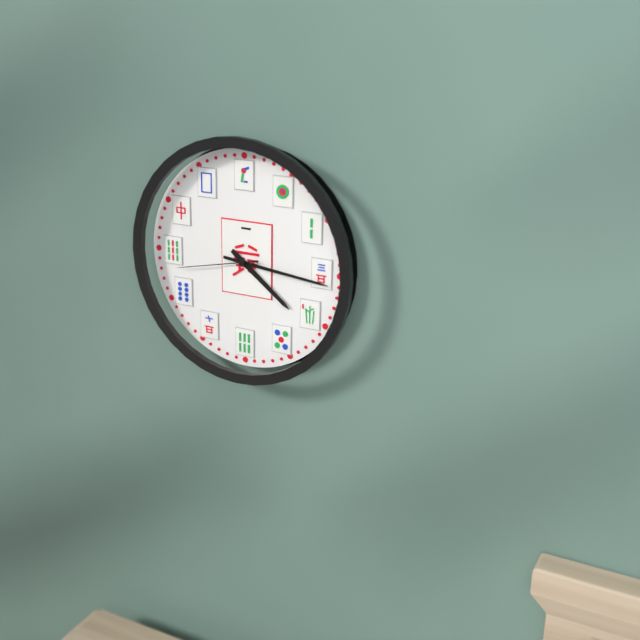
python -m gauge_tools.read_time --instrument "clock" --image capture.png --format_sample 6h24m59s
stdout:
4h16m43s
